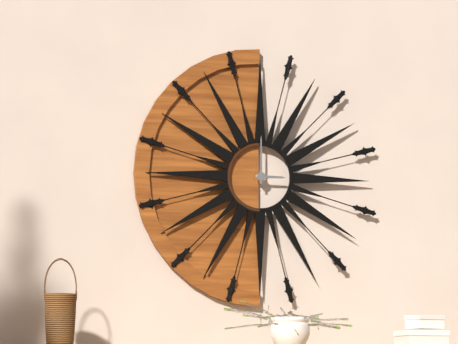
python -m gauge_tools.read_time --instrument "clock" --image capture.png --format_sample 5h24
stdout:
3h00
